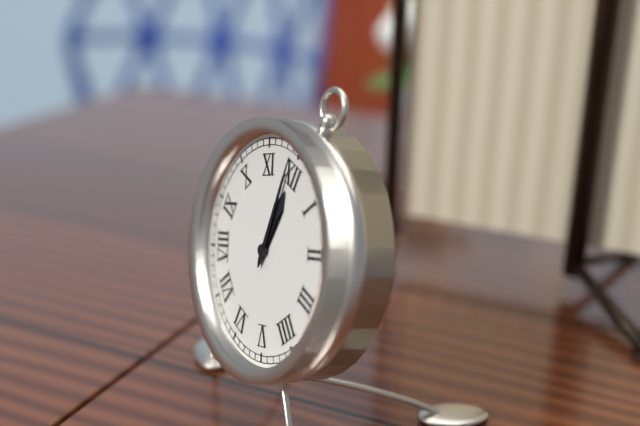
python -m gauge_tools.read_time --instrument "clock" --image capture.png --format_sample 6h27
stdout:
11h59
